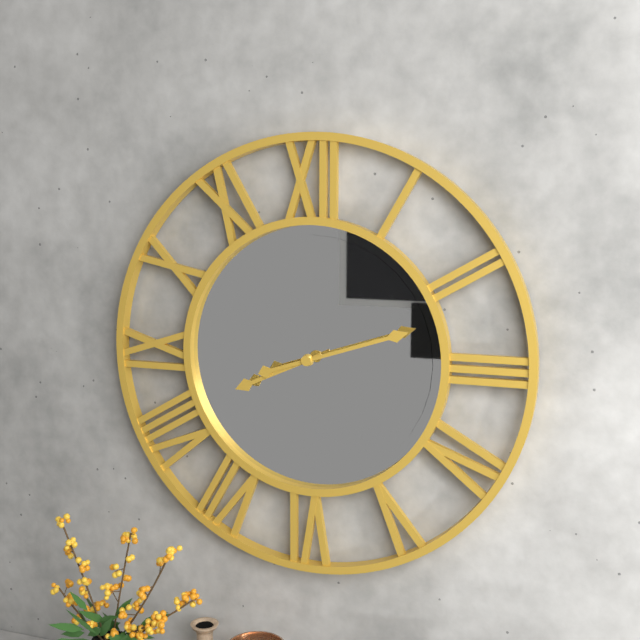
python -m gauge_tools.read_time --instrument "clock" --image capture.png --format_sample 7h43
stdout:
8h12
